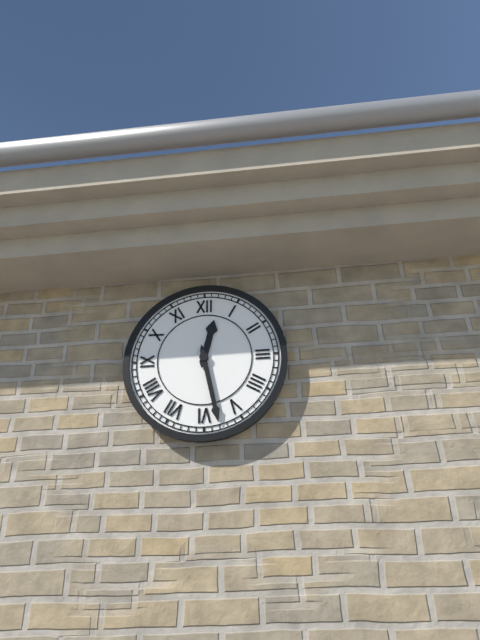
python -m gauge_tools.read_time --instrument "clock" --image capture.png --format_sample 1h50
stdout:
12h28
